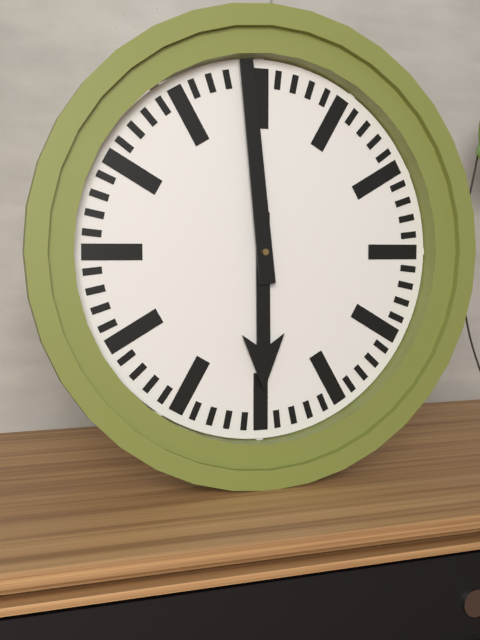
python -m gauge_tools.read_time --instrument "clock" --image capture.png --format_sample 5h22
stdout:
5h59
